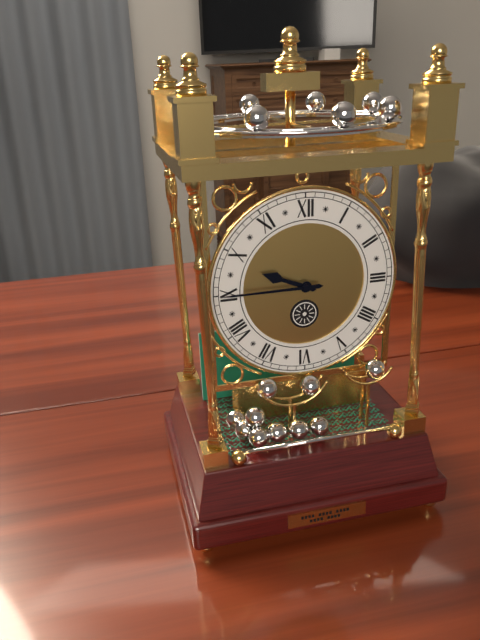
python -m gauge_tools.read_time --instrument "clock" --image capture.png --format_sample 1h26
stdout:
9h45
